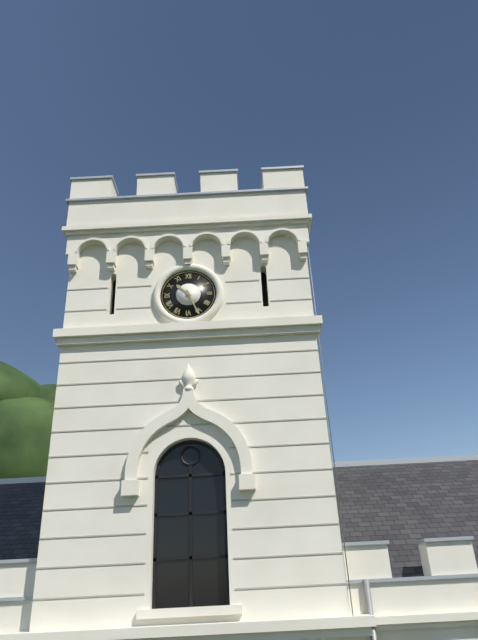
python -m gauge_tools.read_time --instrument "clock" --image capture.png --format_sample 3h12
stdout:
10h26
